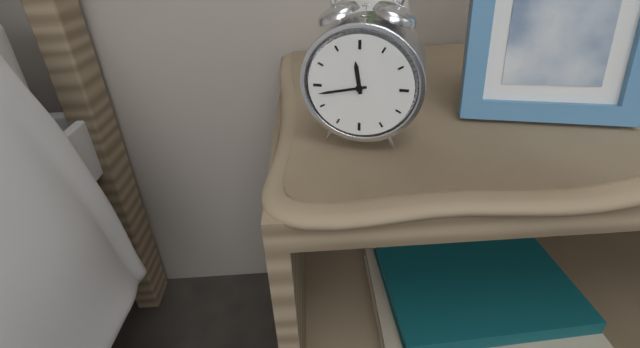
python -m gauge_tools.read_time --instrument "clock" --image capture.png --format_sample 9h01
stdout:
11h43
